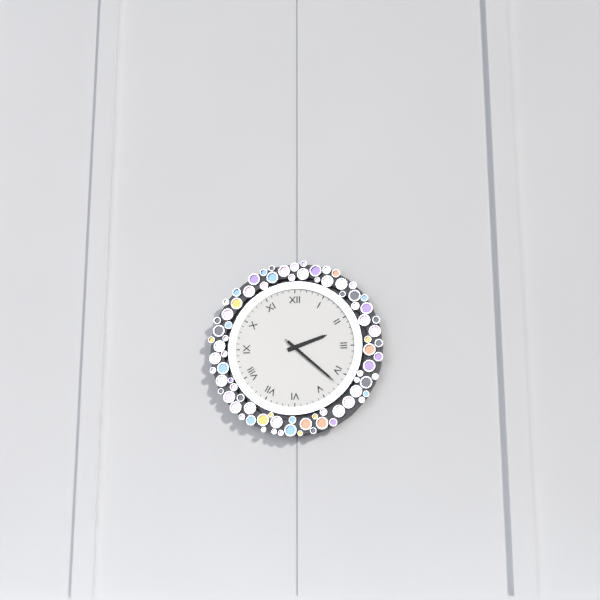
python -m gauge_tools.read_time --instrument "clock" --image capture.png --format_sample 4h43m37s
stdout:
2h22m22s
